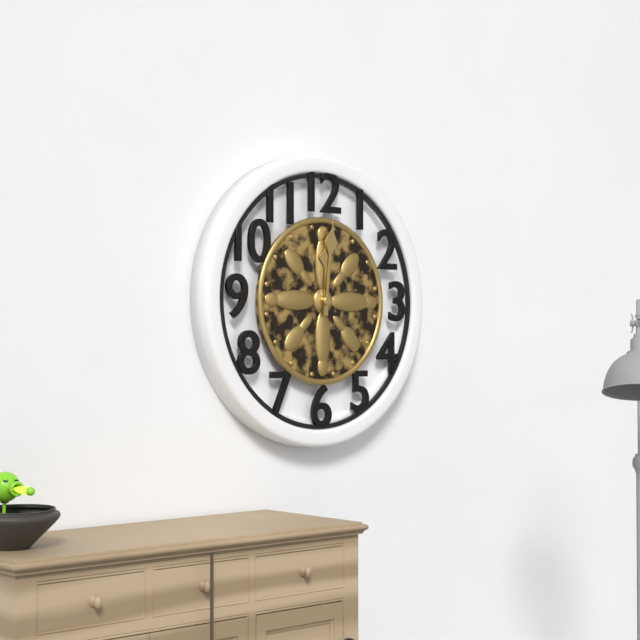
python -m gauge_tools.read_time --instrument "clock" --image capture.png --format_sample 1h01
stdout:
12h01
